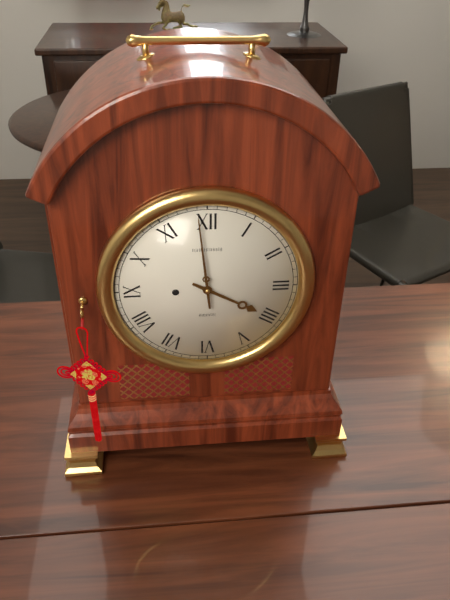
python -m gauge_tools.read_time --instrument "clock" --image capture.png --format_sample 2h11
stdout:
3h59
